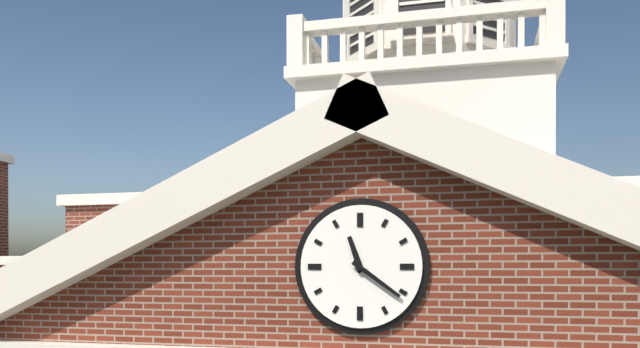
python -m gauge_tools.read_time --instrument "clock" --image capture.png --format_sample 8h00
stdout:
11h21
